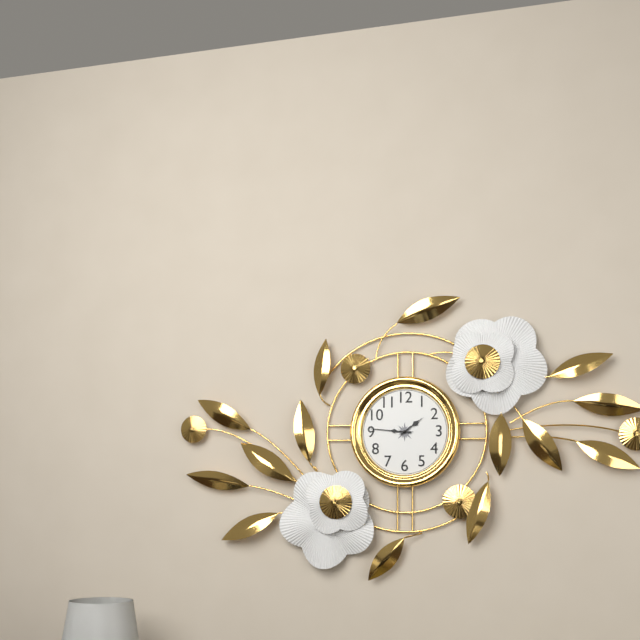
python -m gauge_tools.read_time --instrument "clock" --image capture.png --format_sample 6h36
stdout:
1h46
